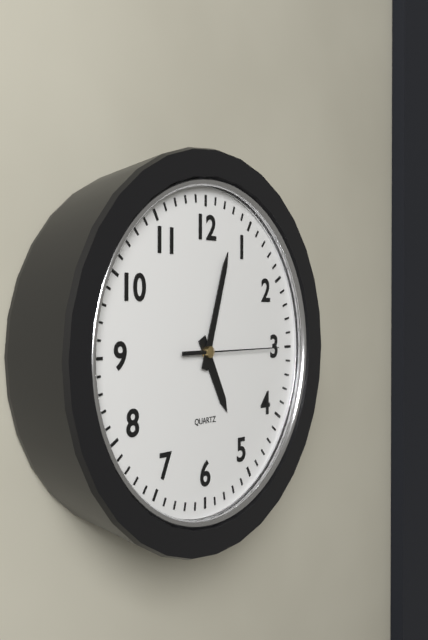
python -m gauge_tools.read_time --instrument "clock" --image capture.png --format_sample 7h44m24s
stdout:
5h03m15s
